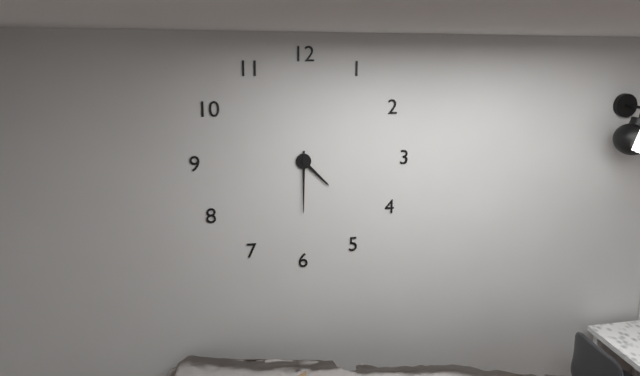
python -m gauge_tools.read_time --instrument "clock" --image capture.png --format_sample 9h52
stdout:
4h30
